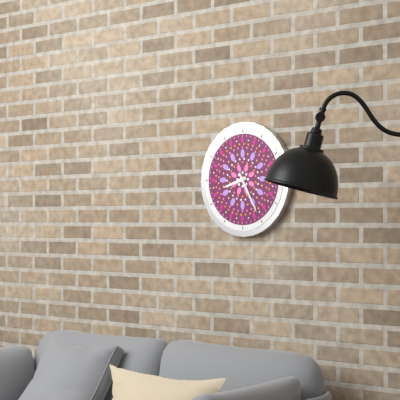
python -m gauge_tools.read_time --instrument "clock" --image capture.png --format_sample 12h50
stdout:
8h25
